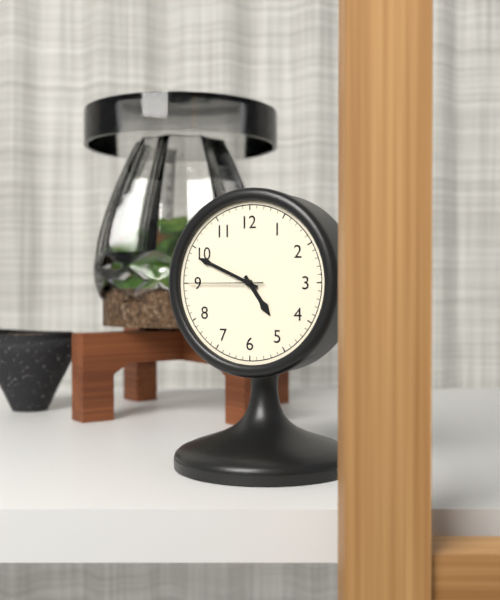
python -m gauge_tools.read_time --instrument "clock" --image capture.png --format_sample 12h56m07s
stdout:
4h49m45s
